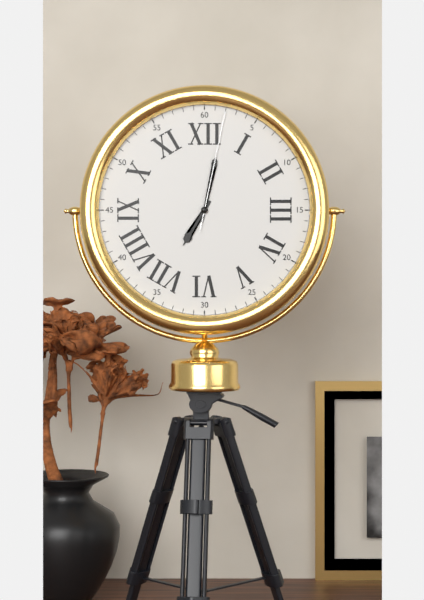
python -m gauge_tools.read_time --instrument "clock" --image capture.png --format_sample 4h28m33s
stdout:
7h02m02s
